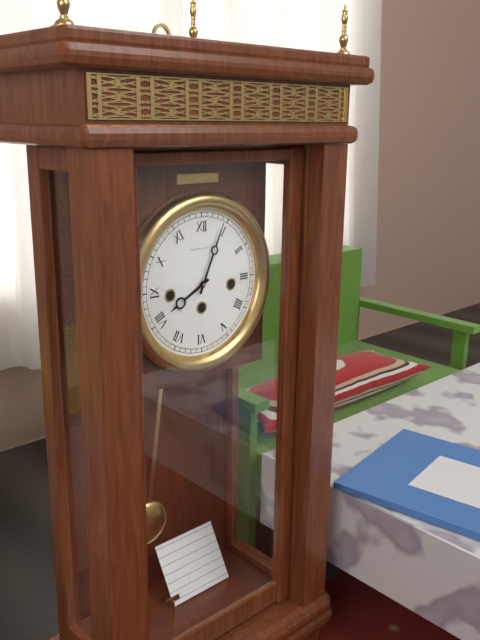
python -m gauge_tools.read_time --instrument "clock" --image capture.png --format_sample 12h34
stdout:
8h04
